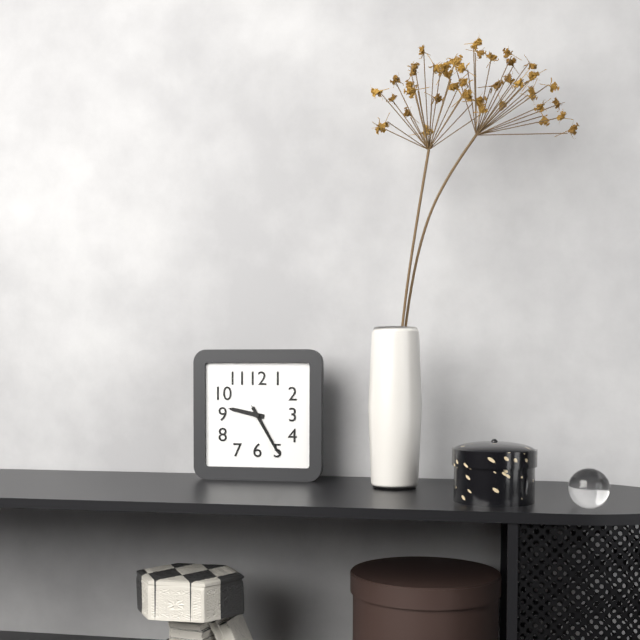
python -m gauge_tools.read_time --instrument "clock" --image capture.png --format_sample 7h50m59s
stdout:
9h25m25s
